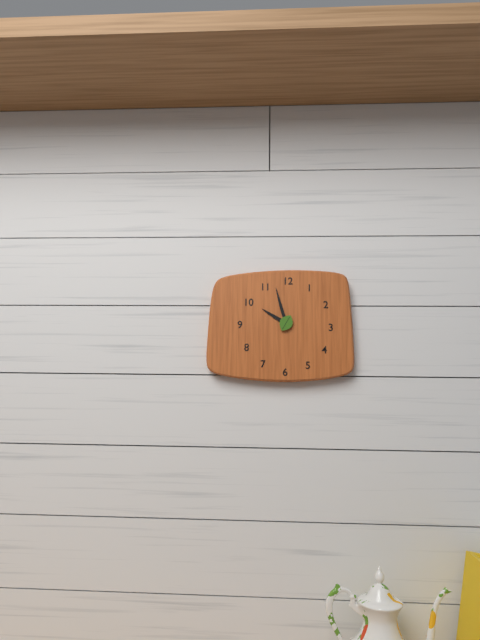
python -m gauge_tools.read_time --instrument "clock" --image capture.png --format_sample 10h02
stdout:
9h57
